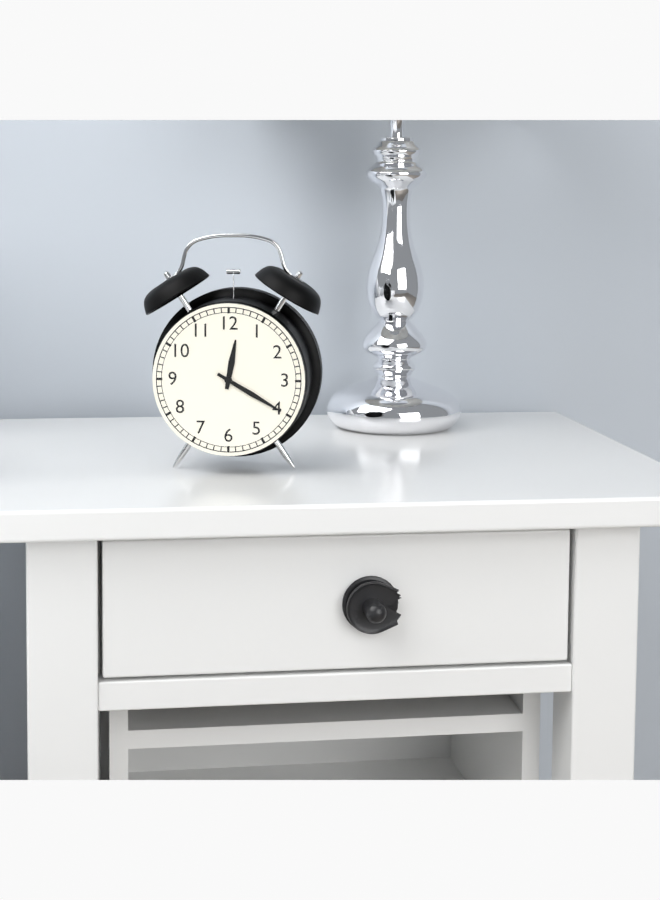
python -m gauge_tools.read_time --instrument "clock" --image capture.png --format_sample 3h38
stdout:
12h20
